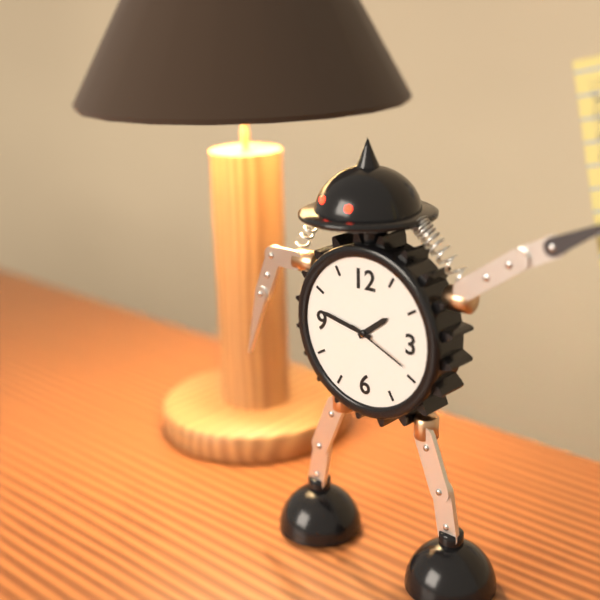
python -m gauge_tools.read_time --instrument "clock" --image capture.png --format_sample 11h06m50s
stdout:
1h47m19s
